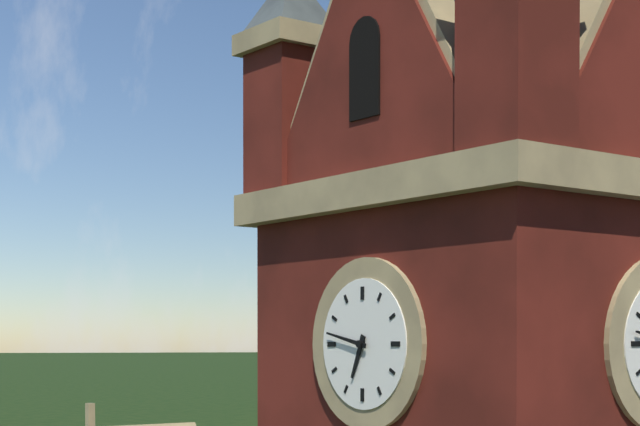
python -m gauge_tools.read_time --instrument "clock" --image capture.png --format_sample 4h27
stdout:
6h47
